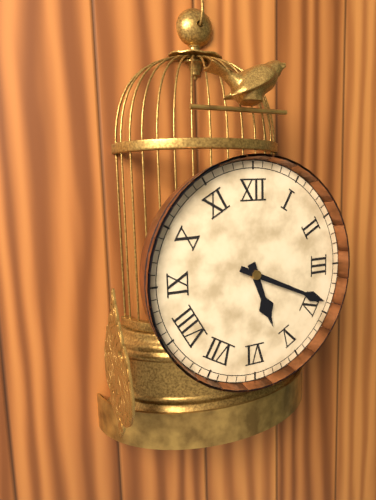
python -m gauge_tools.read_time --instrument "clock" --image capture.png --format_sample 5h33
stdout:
5h19
